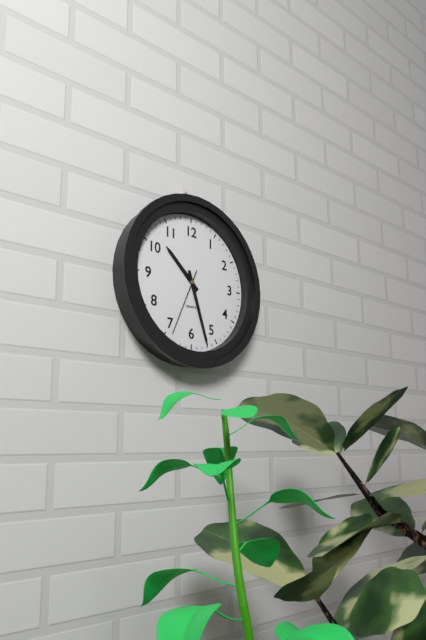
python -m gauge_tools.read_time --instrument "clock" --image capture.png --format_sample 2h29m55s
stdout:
10h27m34s
